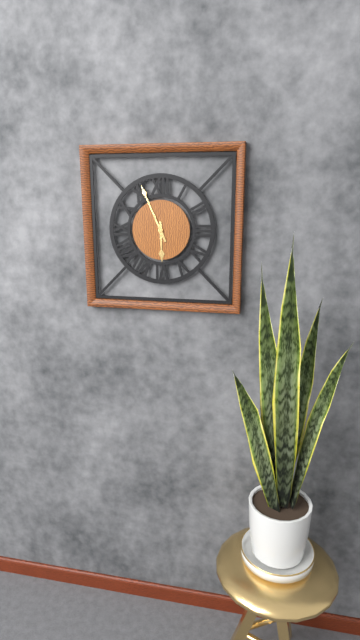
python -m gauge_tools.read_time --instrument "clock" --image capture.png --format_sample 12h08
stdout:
5h56
